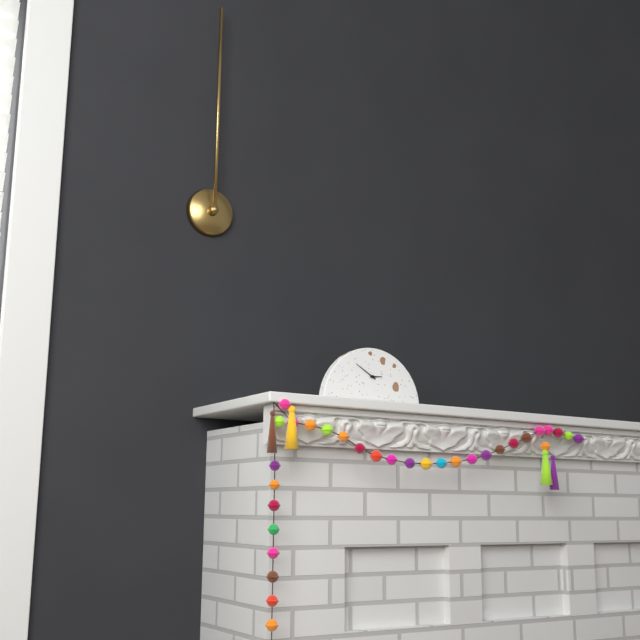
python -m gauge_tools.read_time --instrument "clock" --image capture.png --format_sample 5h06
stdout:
2h50
